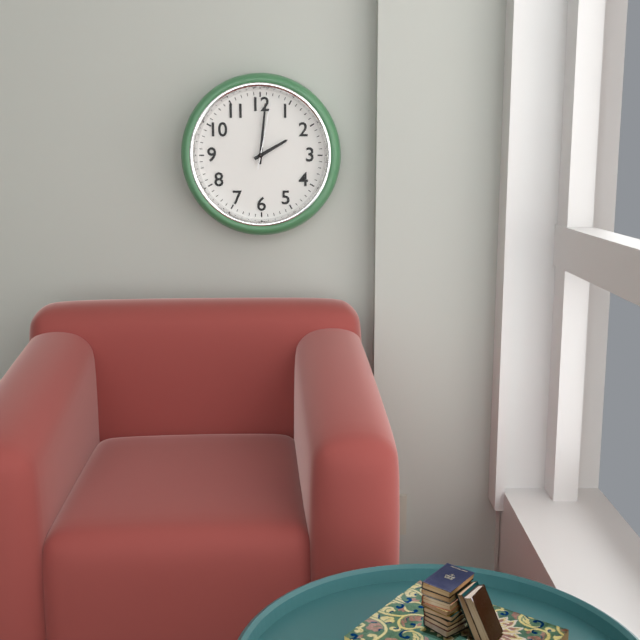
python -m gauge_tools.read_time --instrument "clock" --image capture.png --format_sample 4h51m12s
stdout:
2h01m02s
